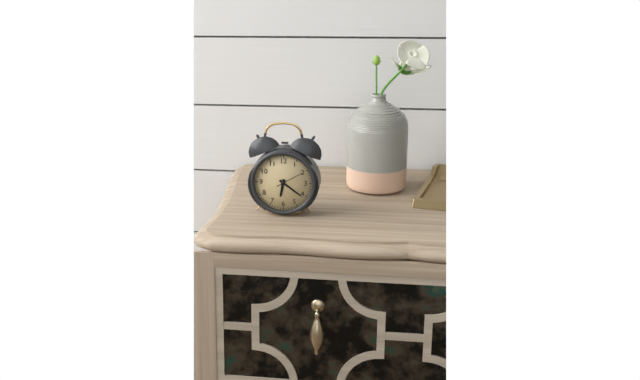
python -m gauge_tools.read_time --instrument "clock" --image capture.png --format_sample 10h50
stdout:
6h21
